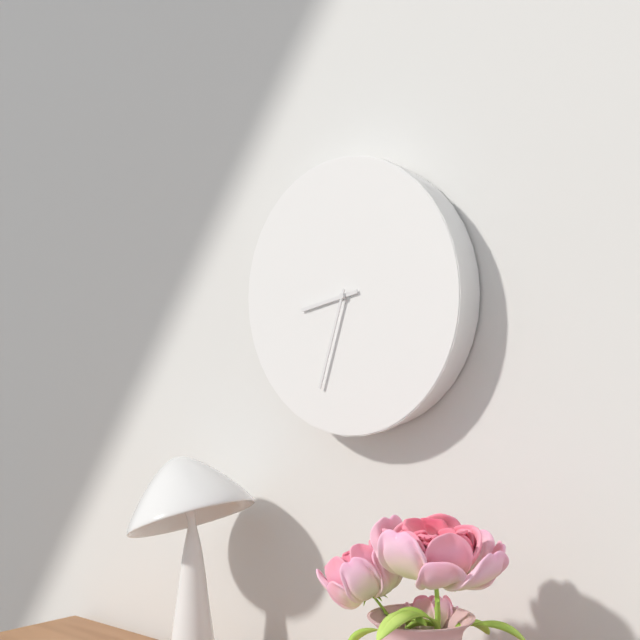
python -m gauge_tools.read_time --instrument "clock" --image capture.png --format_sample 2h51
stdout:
8h33
